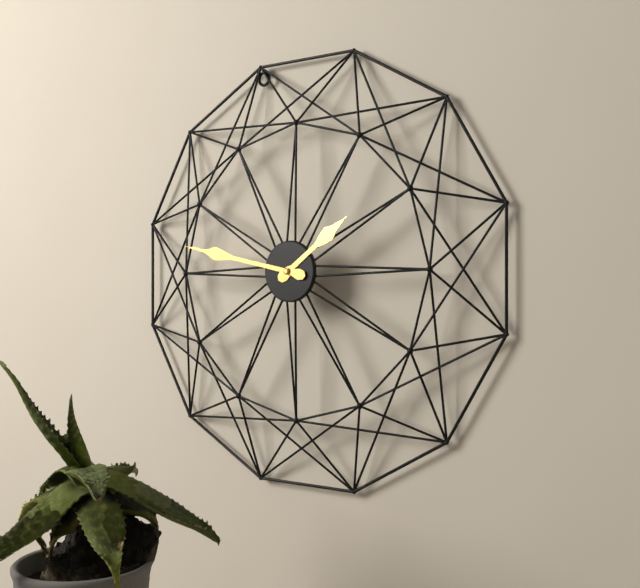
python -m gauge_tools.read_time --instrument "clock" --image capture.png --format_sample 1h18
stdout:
1h47
